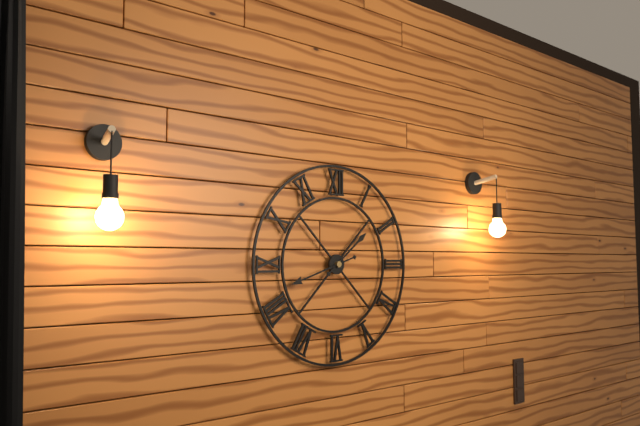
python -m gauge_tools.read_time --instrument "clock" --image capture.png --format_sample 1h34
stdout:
1h42
